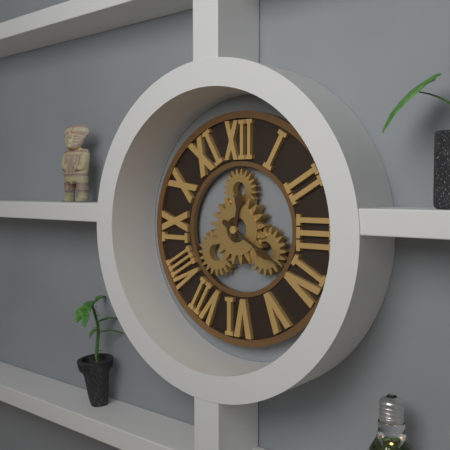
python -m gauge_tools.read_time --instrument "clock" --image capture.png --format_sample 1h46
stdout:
12h20
